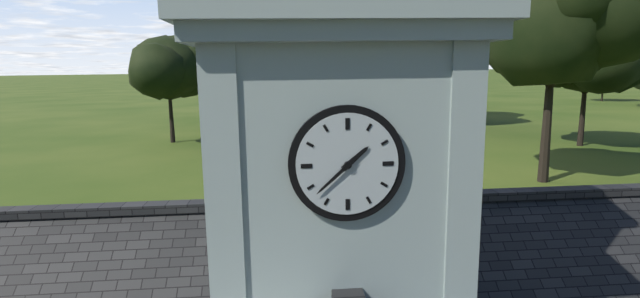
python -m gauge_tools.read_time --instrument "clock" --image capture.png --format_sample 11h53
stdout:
1h38
